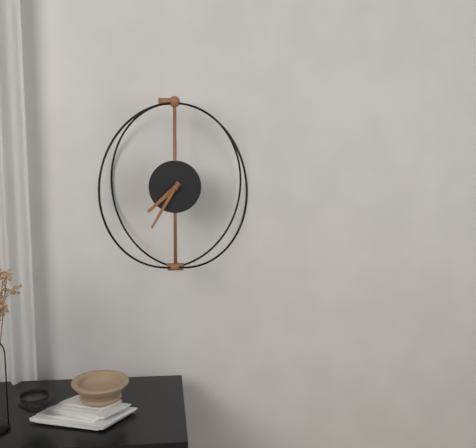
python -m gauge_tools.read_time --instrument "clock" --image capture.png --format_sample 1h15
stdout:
7h35
